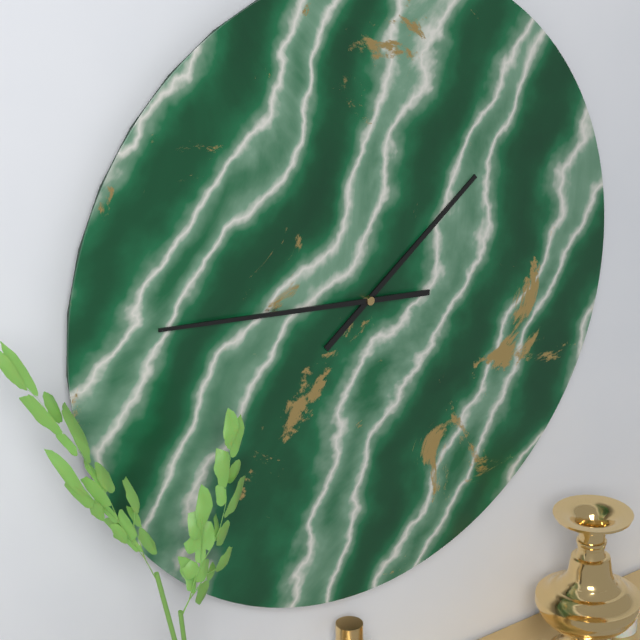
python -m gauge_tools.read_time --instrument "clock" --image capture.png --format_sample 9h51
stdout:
1h46
